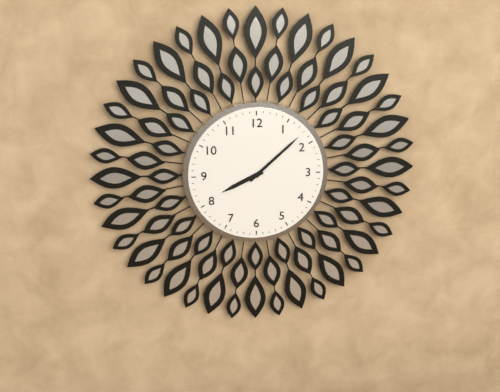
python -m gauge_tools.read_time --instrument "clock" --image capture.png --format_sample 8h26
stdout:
8h08
